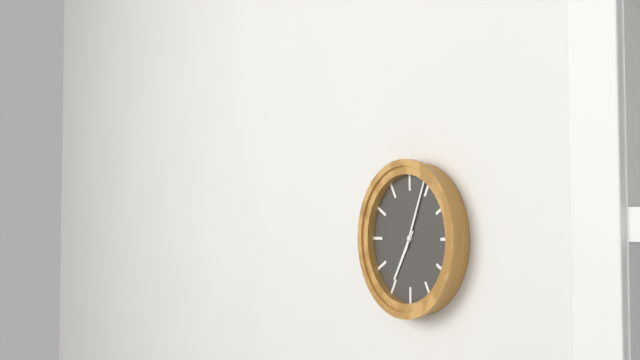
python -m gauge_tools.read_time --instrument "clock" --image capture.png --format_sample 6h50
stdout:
7h04
